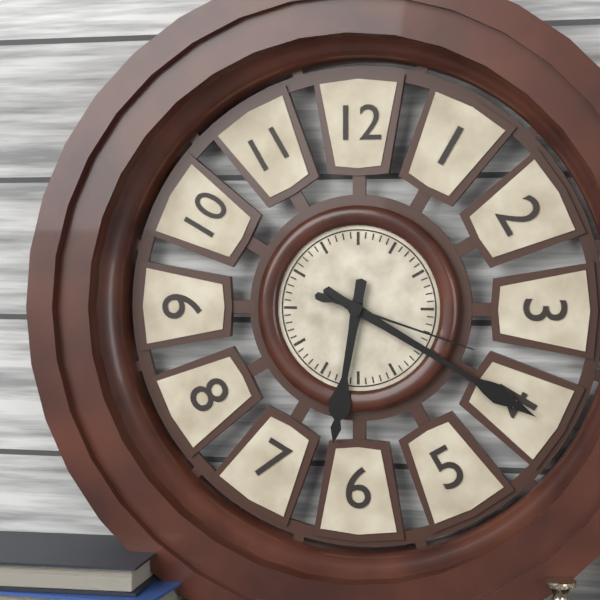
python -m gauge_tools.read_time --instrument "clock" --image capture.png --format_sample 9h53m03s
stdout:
6h20m18s
